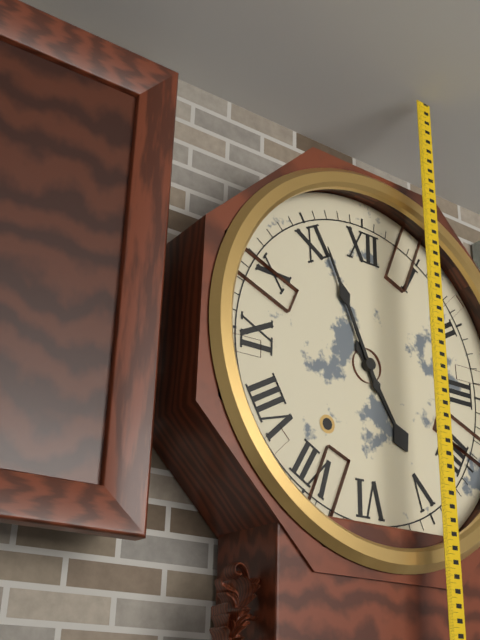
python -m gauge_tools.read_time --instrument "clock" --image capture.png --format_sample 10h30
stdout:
4h56
